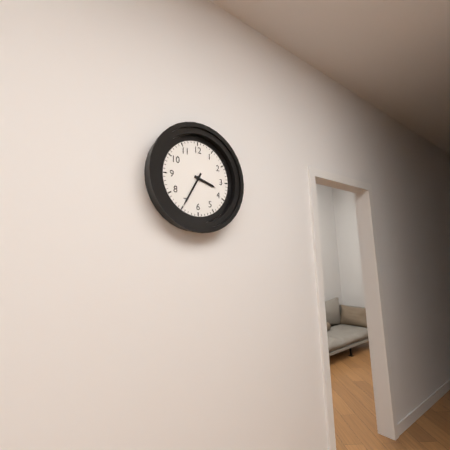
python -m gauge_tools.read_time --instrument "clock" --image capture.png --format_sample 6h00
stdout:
3h35
